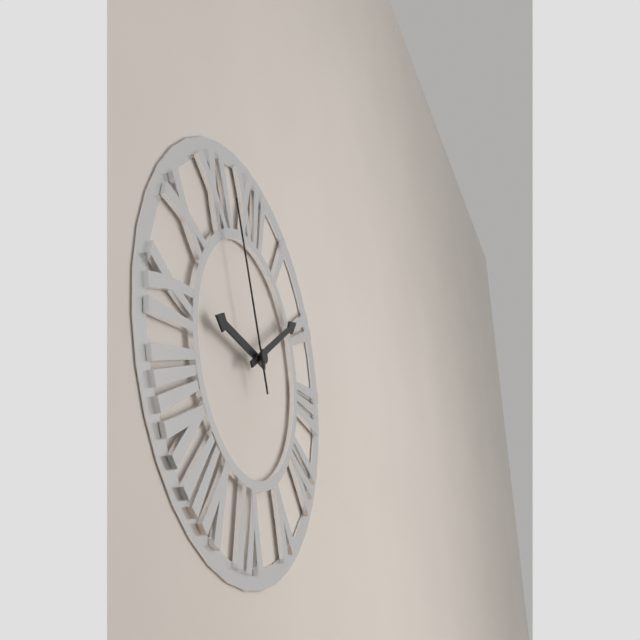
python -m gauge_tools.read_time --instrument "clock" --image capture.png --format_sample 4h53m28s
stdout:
9h09m56s
